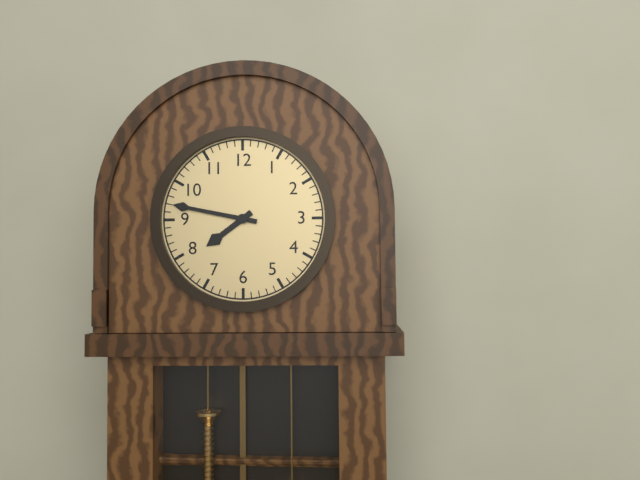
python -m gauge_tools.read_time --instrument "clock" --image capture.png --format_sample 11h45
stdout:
7h47
